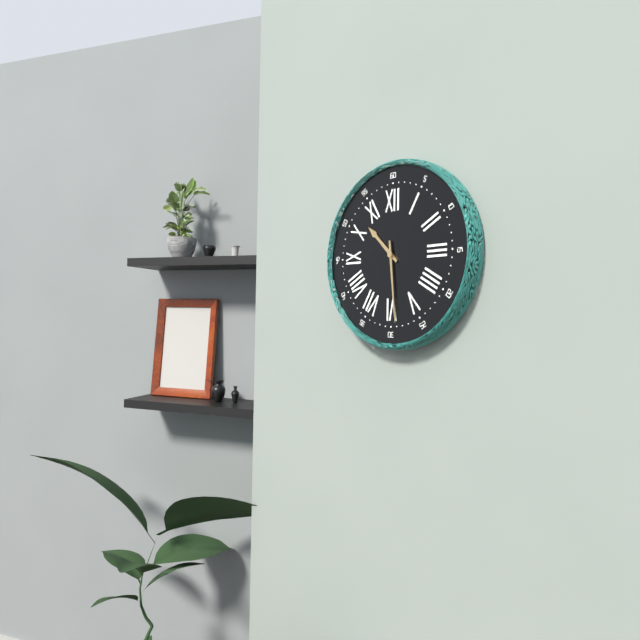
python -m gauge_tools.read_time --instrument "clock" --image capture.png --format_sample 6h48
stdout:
10h29
